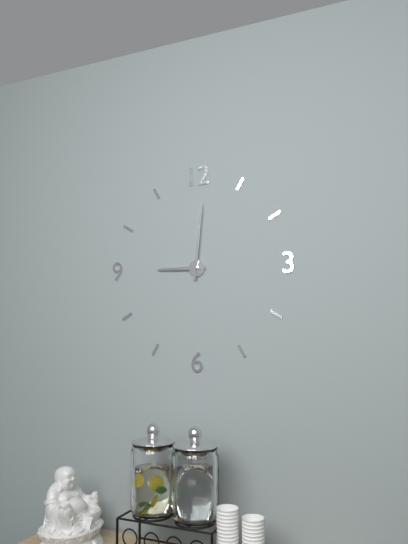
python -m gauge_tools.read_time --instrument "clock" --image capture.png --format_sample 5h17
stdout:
9h01
